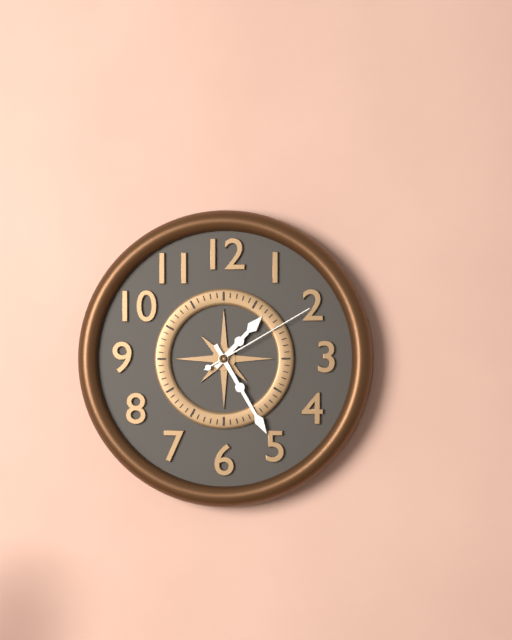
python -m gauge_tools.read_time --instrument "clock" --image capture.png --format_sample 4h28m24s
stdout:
1h25m10s
